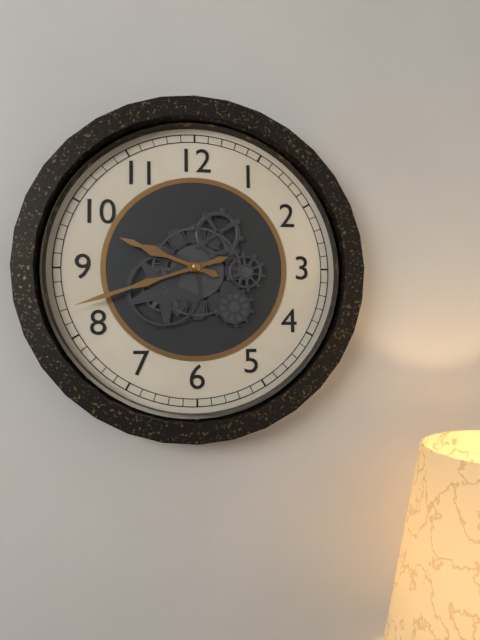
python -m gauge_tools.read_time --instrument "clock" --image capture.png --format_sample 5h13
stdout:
9h42
